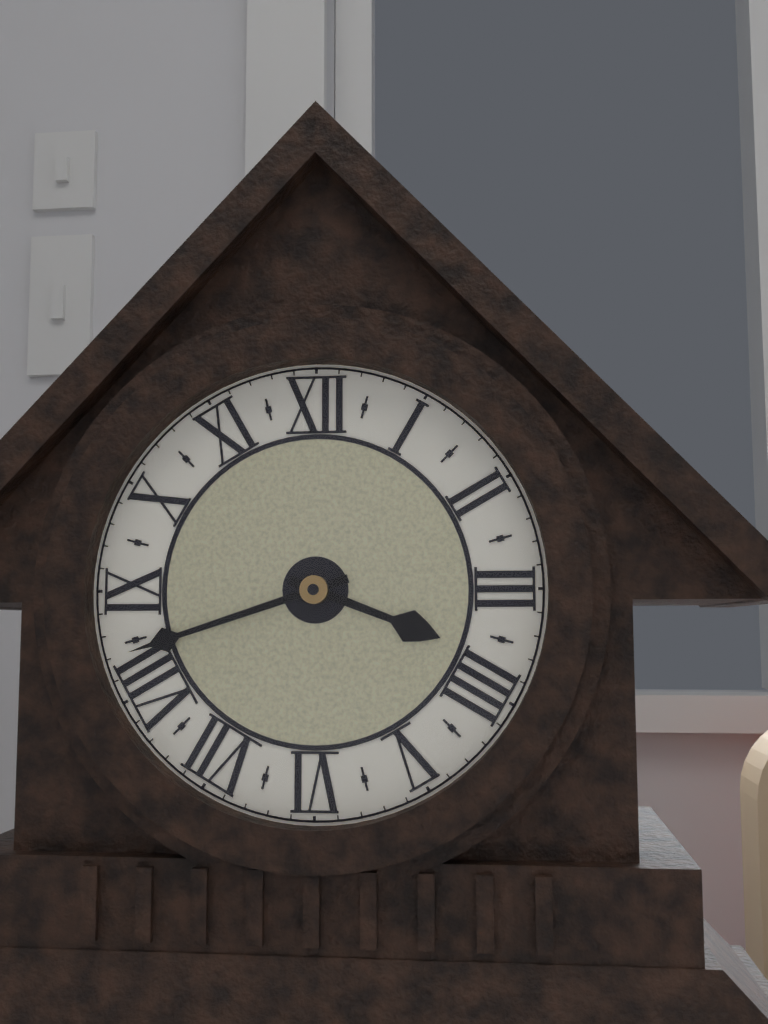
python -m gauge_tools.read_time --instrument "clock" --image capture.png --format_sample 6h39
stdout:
3h42
